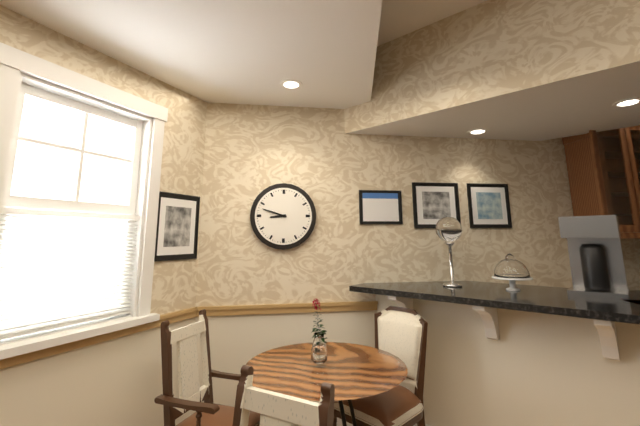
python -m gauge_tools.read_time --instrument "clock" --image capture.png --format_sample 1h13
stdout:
8h48
